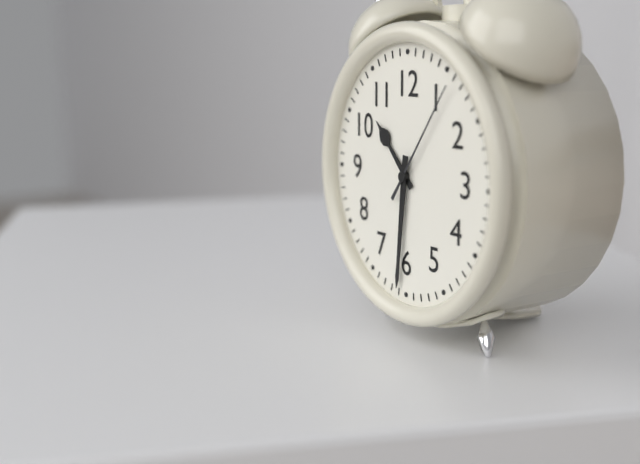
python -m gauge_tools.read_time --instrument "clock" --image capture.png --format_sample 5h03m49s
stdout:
10h31m06s
